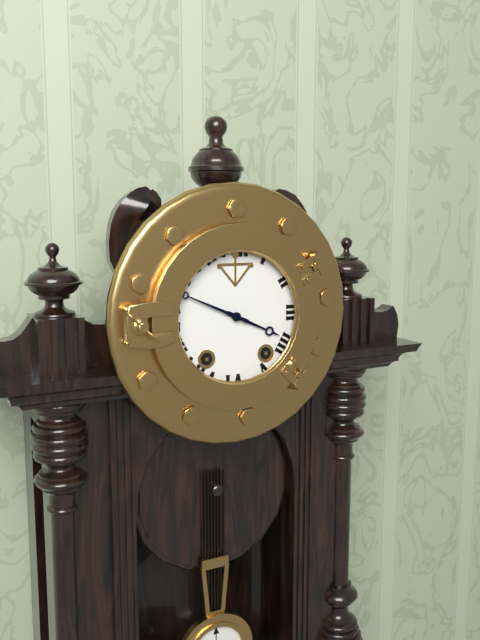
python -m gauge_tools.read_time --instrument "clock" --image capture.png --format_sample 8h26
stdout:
3h49
